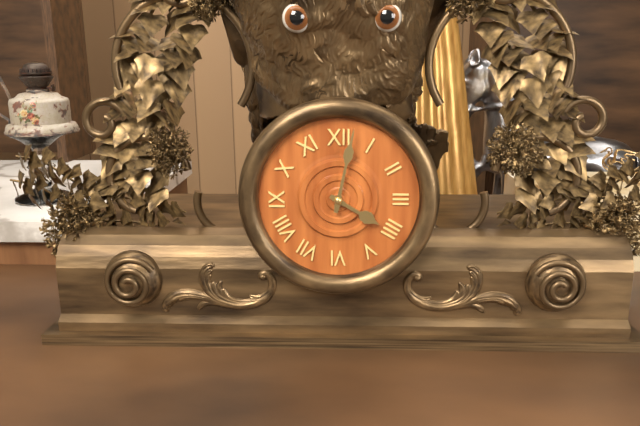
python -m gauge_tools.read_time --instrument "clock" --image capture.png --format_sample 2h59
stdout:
4h02
